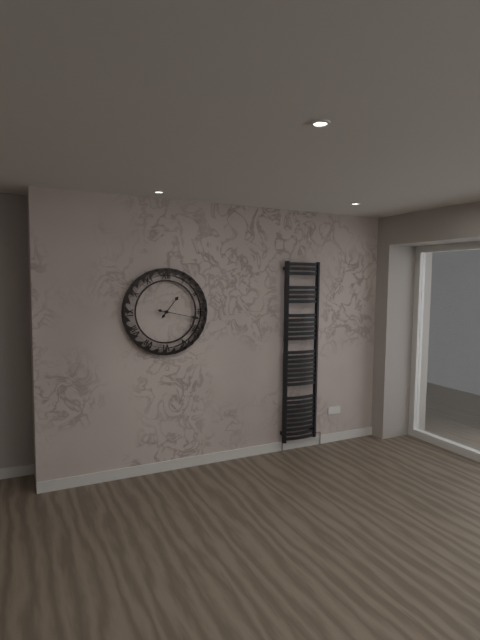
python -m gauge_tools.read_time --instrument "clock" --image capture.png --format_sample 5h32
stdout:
1h17
